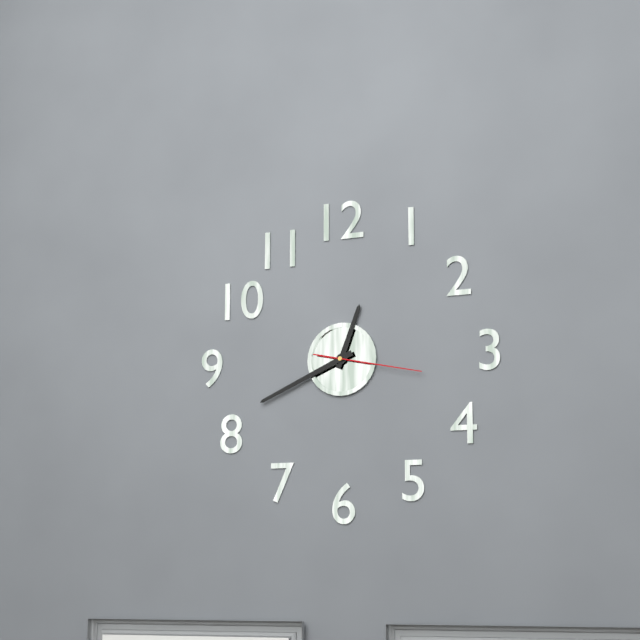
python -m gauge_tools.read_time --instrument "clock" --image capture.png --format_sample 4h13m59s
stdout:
12h41m17s
